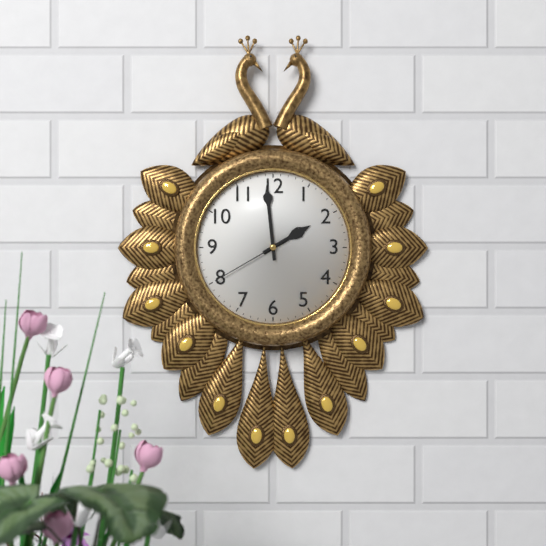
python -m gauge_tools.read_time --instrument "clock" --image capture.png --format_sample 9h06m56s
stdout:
1h59m40s
